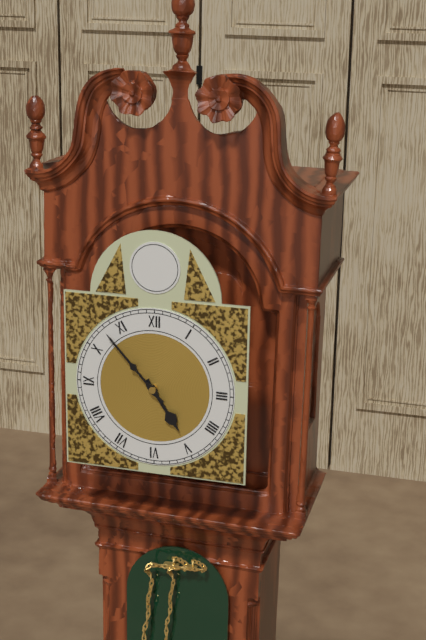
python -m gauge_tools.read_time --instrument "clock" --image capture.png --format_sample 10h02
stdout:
4h53
